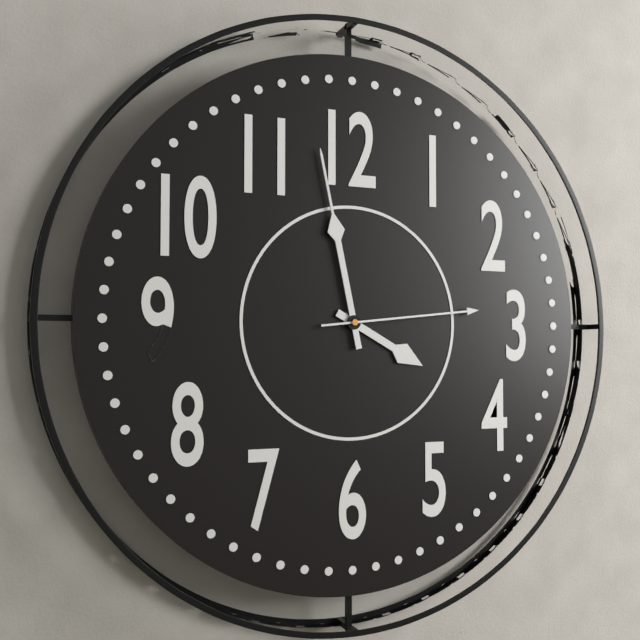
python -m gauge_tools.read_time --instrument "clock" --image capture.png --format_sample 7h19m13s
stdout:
3h58m14s
